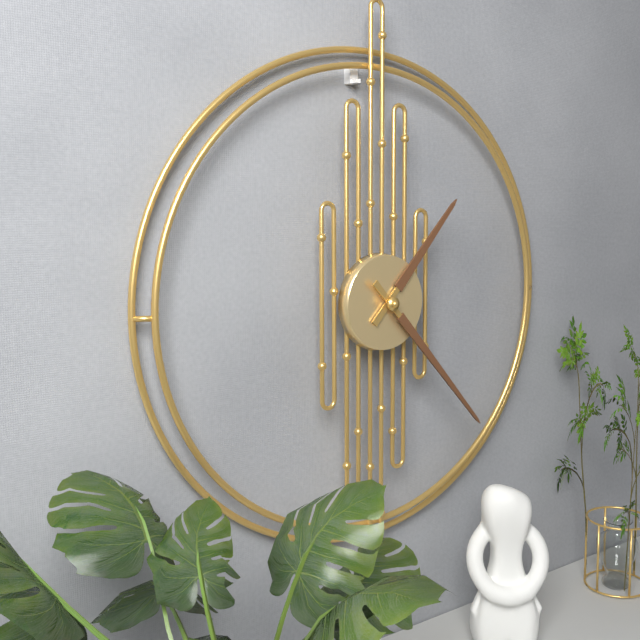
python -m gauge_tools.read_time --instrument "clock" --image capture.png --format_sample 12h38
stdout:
1h23
